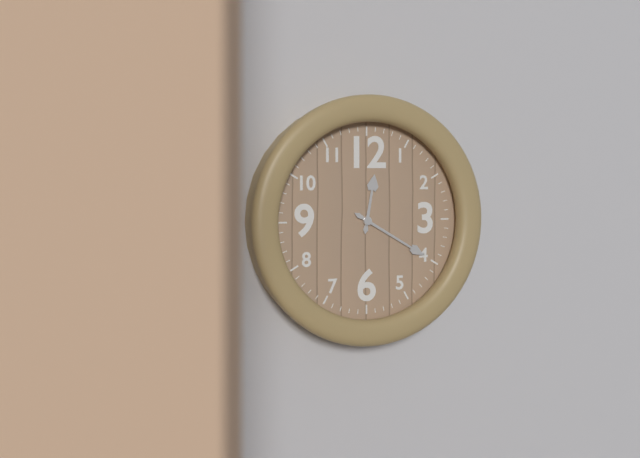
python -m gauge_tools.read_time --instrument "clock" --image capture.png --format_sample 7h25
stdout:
12h20
